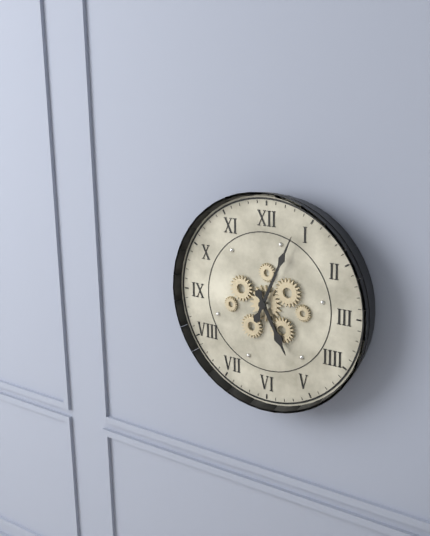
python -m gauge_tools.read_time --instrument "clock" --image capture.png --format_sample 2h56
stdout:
5h04
